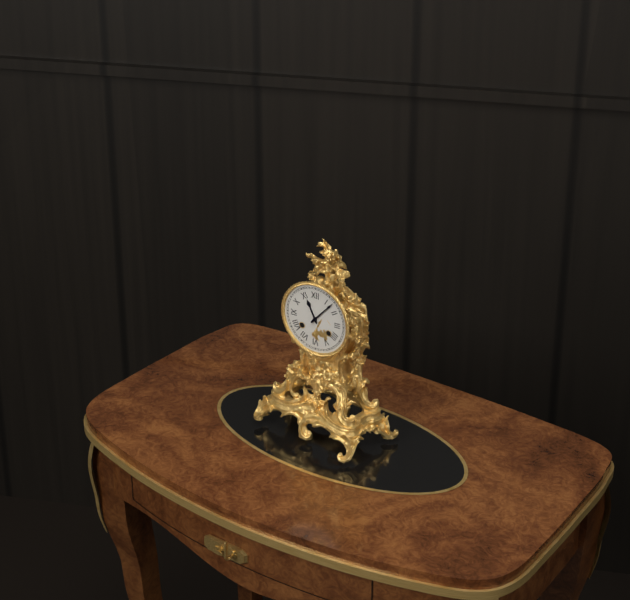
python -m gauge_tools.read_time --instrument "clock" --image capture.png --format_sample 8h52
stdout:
11h07
